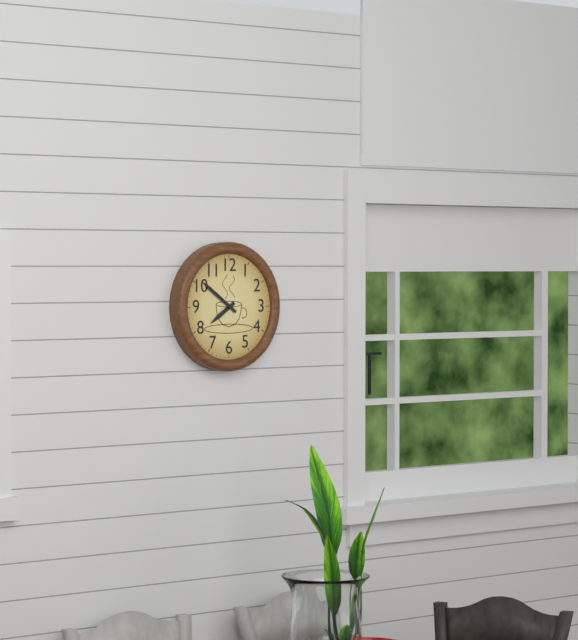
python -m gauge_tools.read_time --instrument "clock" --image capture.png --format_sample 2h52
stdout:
7h51
